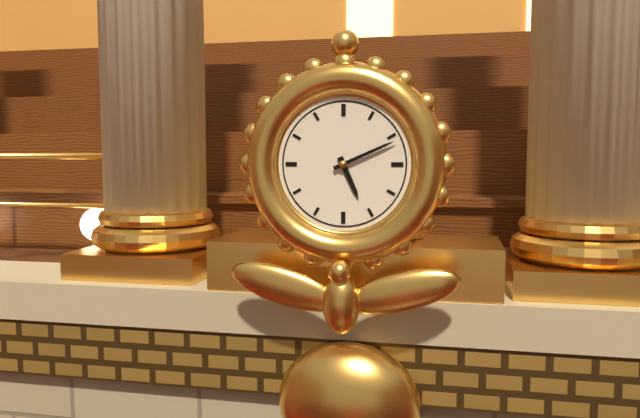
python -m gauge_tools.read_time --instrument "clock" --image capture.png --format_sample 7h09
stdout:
5h11
